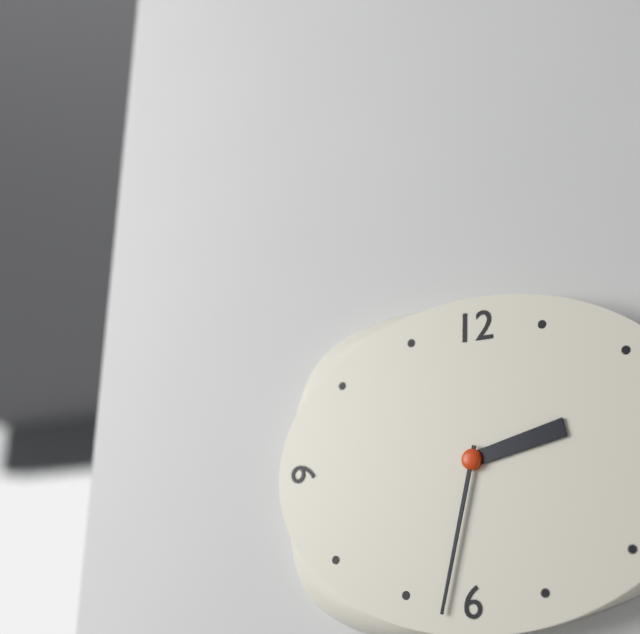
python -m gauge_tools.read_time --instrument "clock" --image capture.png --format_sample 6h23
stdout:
2h32
